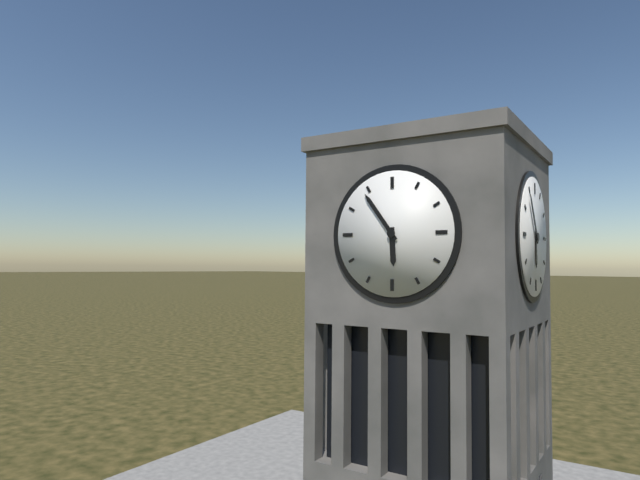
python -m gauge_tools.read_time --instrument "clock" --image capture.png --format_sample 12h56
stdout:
5h54
